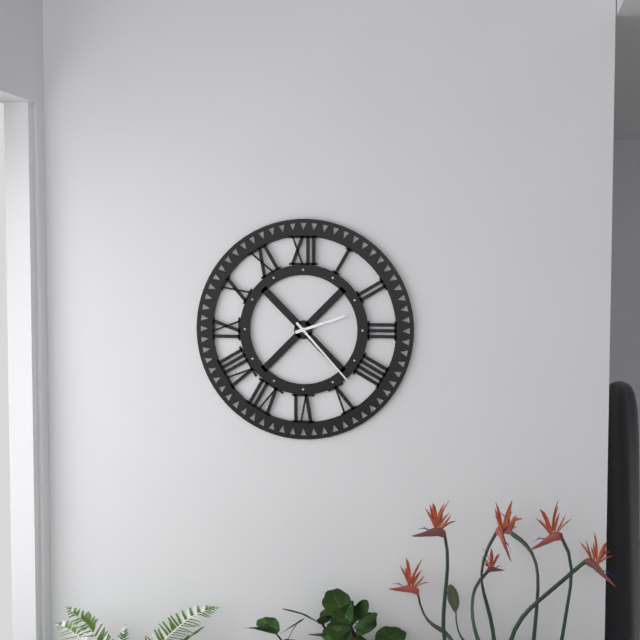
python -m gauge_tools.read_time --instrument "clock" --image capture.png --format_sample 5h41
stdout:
2h23
